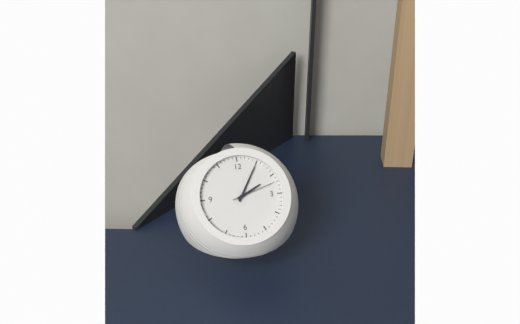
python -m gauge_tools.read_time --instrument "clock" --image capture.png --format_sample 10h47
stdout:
2h05
